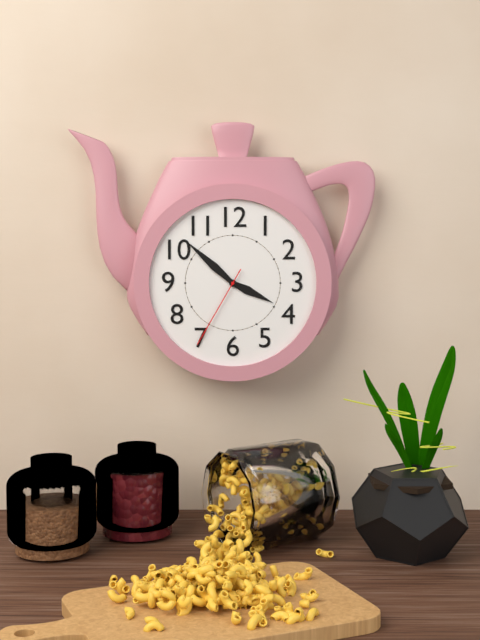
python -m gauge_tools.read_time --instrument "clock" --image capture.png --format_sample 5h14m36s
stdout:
3h52m35s
